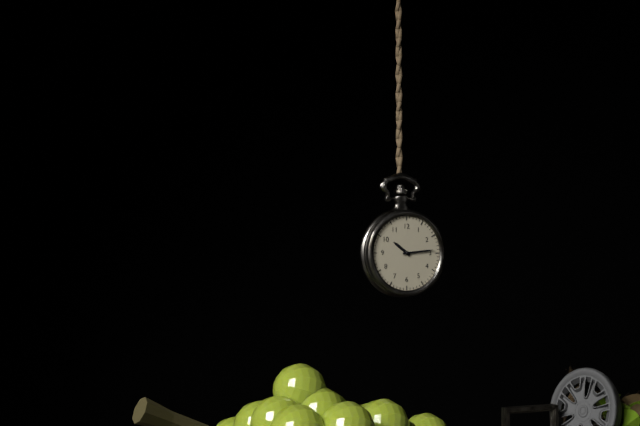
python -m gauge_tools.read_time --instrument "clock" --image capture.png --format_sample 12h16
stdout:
10h14
